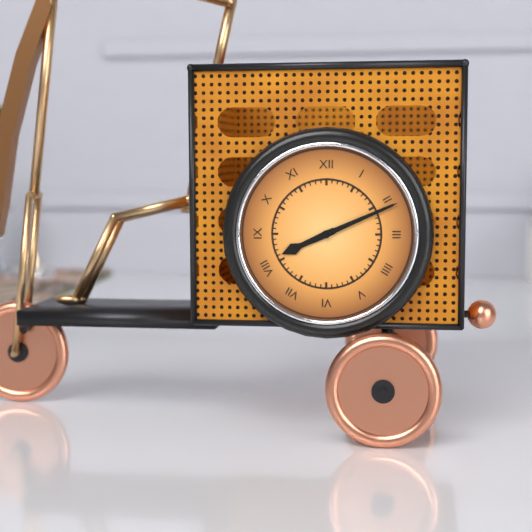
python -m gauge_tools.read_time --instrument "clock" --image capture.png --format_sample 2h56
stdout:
8h11
